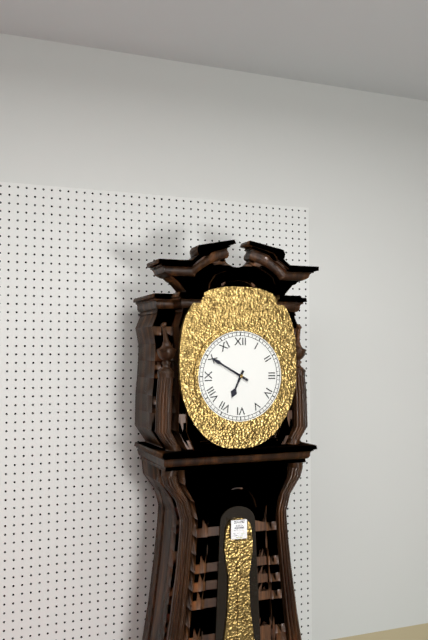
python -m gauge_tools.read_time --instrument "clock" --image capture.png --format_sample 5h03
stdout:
6h50
